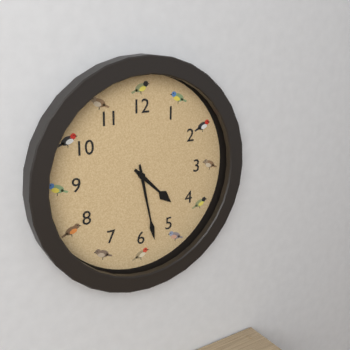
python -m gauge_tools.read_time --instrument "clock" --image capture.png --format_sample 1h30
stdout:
4h28
